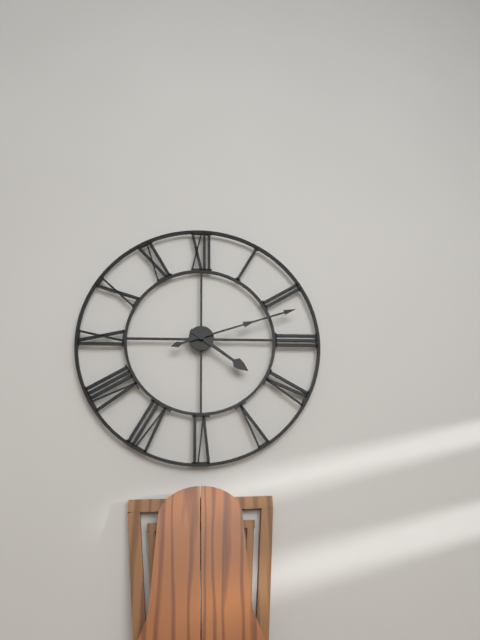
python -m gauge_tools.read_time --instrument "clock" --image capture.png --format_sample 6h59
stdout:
4h12
